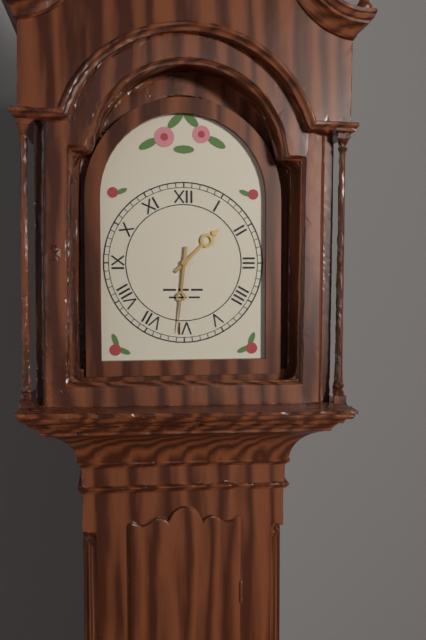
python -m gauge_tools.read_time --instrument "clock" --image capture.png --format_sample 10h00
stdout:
1h31
